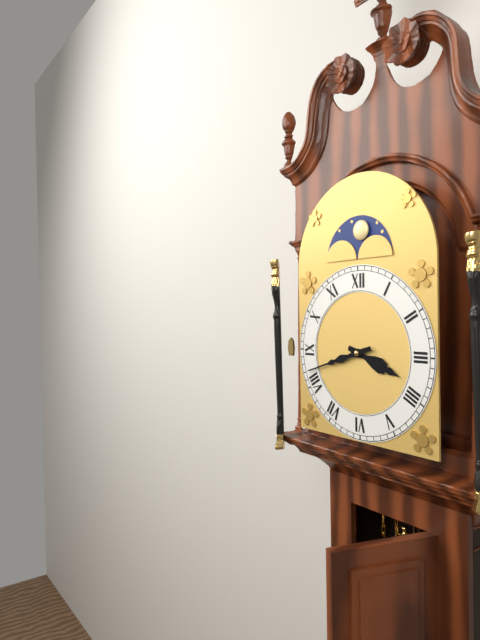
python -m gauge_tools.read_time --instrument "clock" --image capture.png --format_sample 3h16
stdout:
3h42
